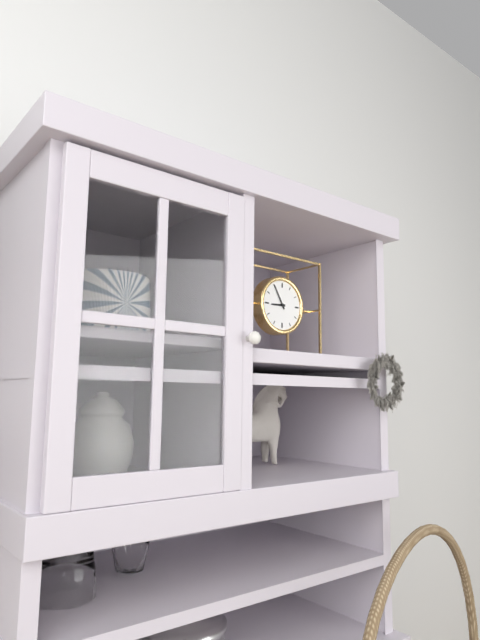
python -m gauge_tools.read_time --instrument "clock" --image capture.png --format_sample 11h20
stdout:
8h55
